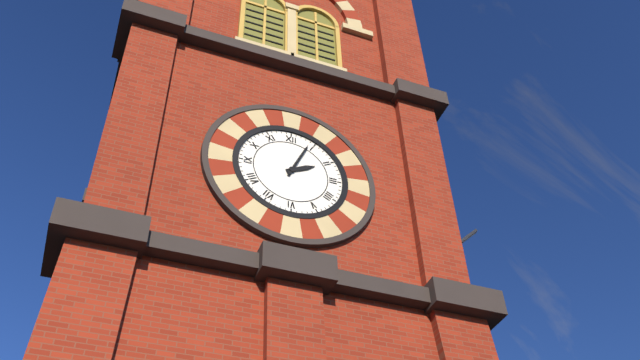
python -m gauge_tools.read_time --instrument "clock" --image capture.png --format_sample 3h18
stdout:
2h04
